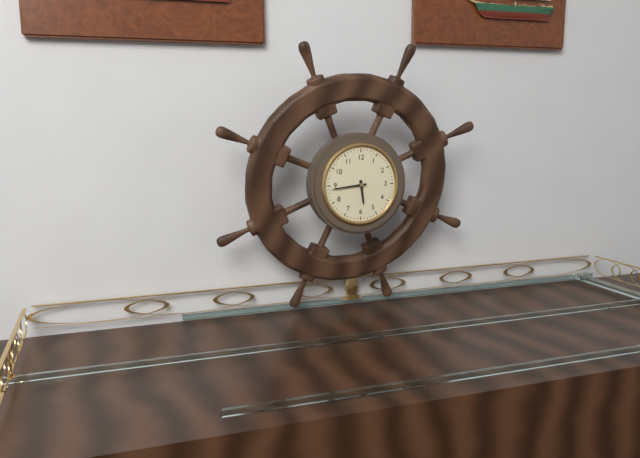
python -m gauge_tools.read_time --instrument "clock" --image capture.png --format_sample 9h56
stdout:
5h44
